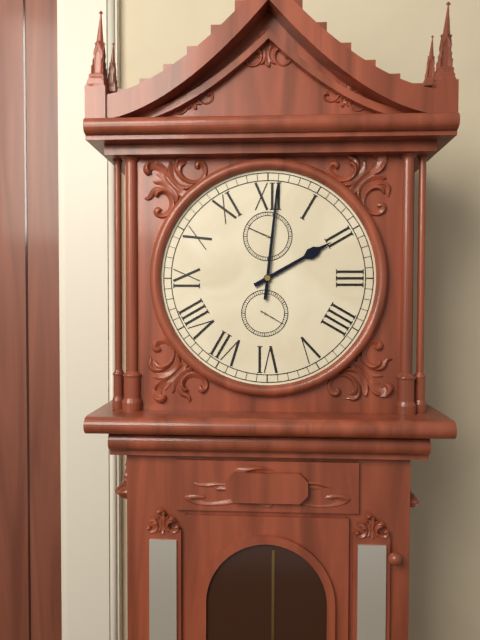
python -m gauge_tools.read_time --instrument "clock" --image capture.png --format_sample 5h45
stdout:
2h01
